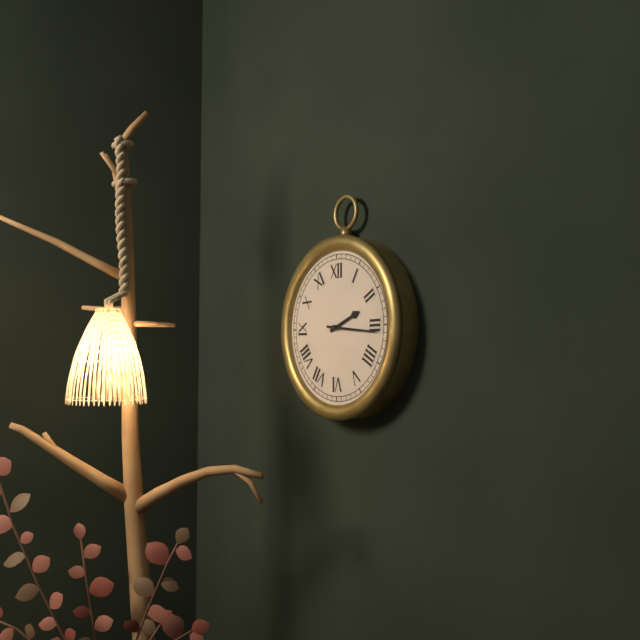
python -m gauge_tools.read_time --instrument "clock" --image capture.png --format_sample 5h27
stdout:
2h16
